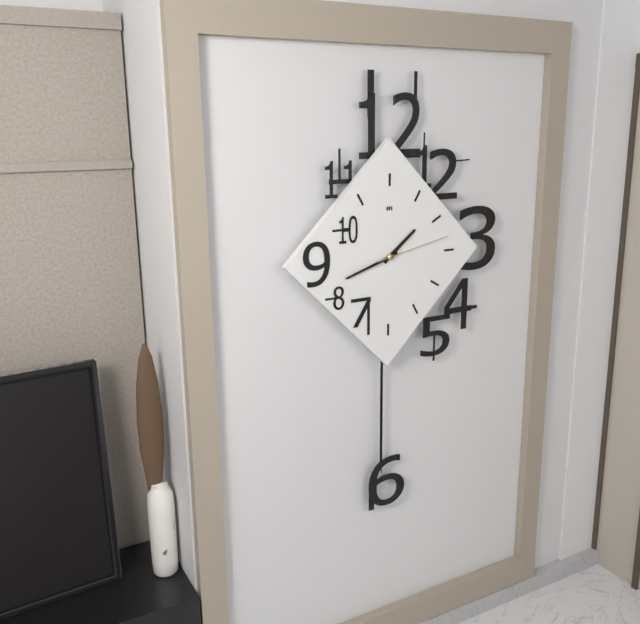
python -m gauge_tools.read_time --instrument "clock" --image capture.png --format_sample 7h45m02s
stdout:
1h42m13s
